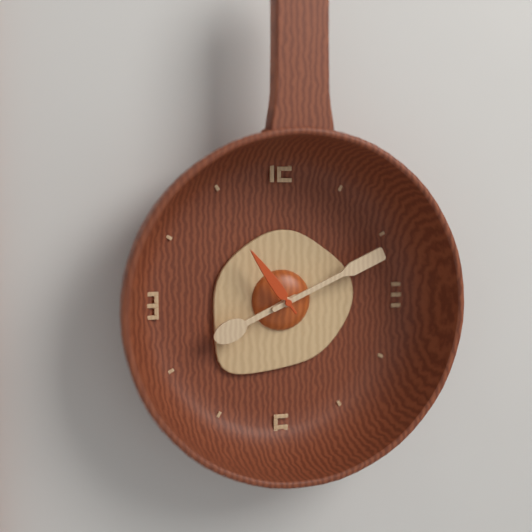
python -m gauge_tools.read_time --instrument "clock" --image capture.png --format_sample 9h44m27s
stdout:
8h11m54s
